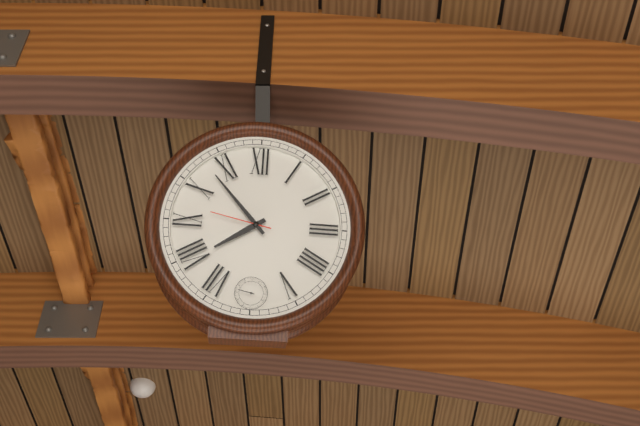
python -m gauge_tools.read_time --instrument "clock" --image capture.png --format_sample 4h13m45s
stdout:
7h53m47s
